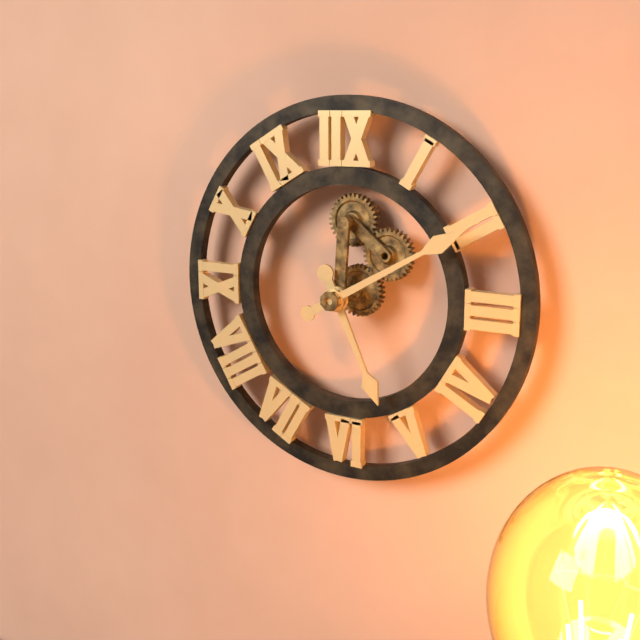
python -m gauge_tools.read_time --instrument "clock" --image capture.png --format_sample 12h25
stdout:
5h10
